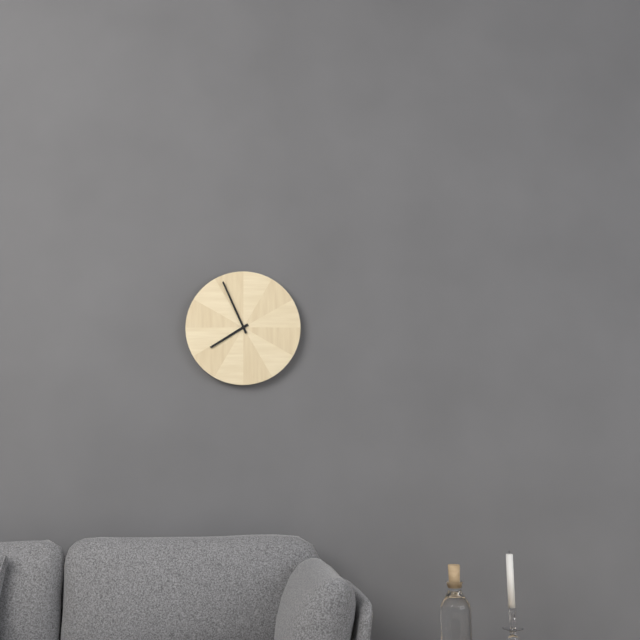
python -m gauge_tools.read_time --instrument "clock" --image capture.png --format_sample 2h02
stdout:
7h56
